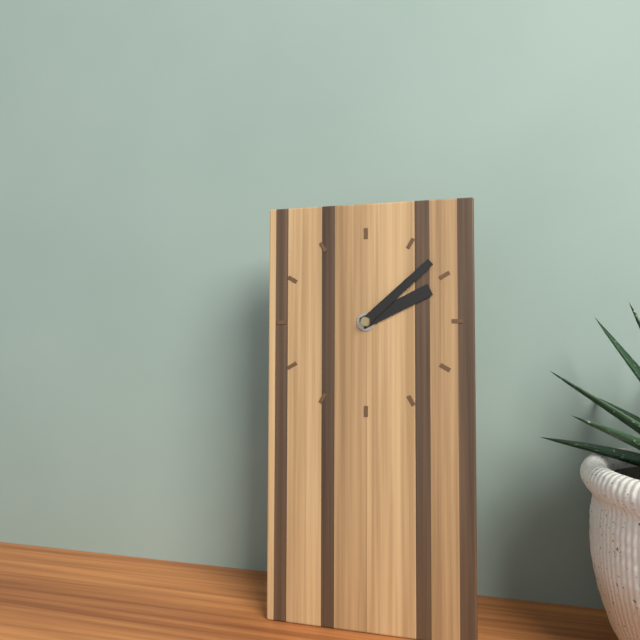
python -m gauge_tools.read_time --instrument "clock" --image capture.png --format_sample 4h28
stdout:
2h08
